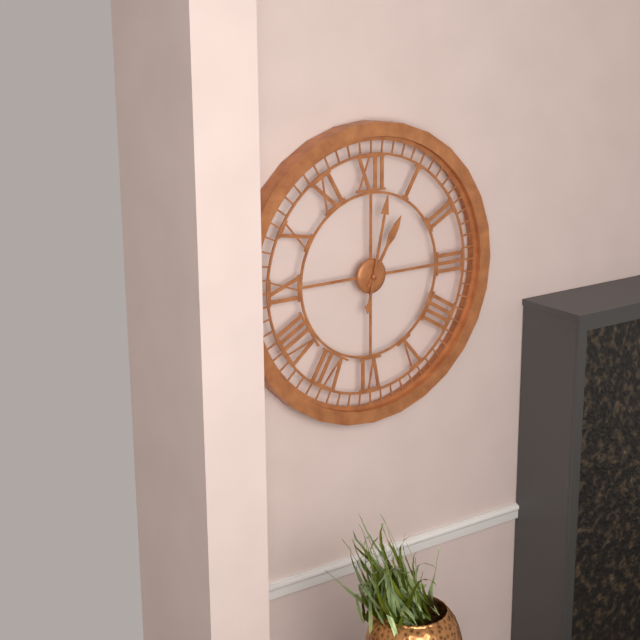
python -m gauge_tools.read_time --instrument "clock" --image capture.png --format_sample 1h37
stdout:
1h02
